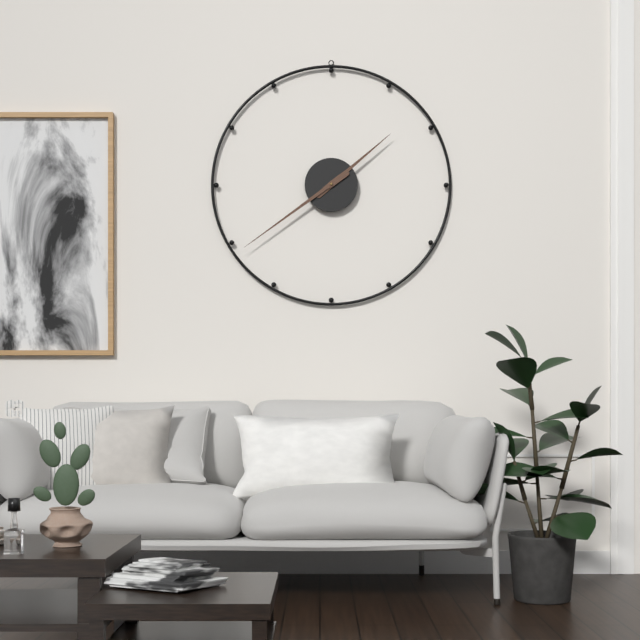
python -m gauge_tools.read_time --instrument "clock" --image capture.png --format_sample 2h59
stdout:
1h39
